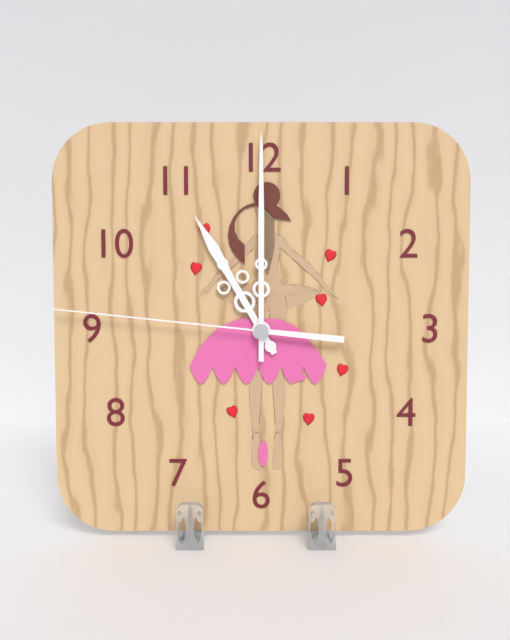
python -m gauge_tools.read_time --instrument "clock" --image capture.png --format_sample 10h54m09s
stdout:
11h00m46s
